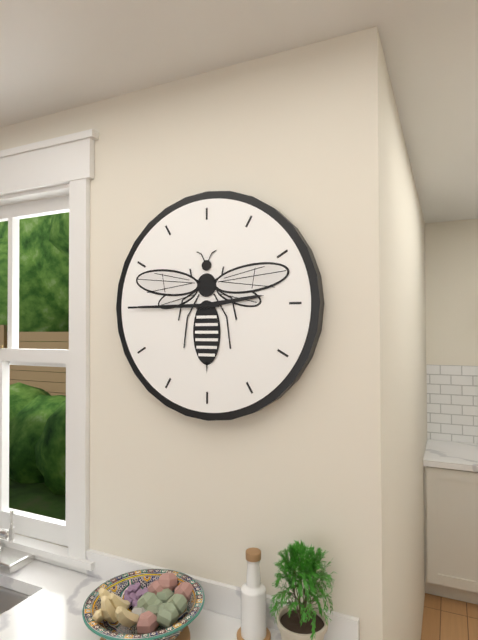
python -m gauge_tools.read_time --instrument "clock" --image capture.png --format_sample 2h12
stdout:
2h45
